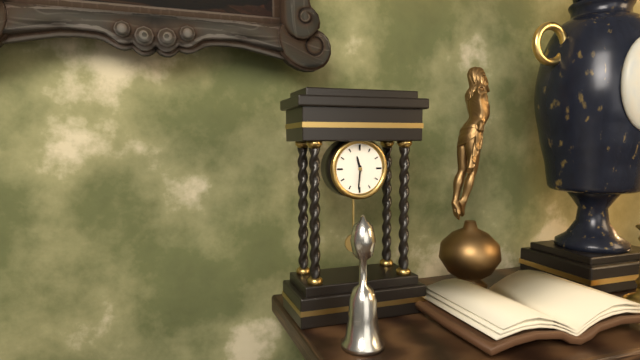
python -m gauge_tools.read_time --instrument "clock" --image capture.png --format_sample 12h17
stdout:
11h31
